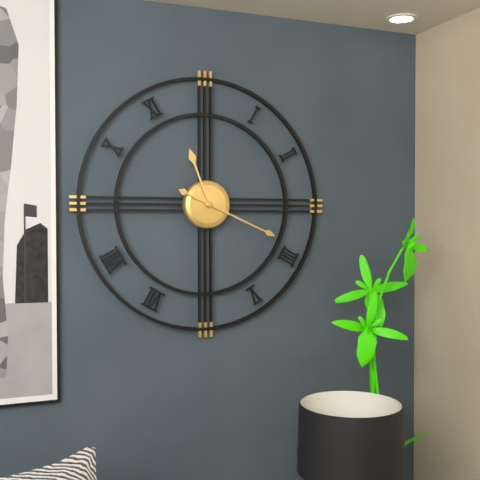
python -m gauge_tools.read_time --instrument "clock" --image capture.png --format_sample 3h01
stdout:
11h19
